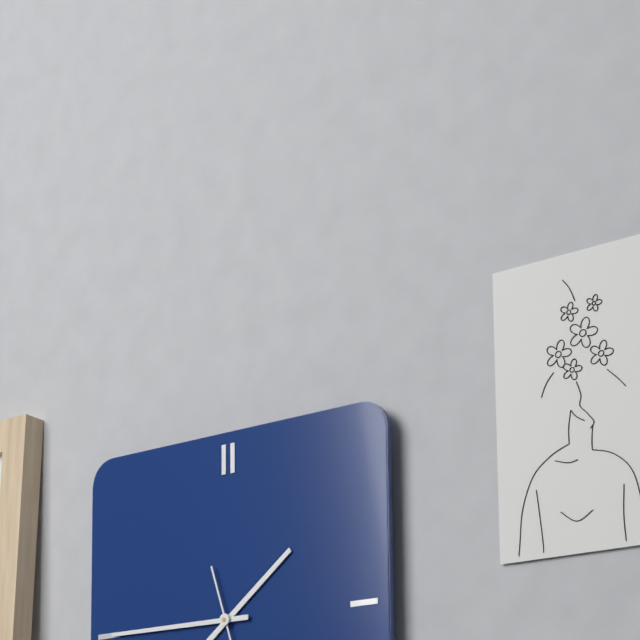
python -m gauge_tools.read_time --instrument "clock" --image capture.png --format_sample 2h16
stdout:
1h45
